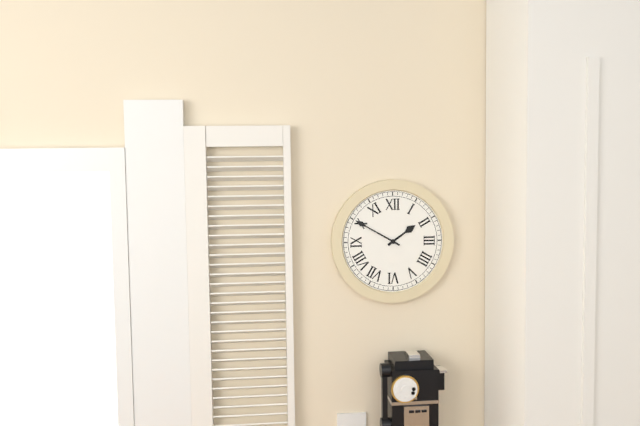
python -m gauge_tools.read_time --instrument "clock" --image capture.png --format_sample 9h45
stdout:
1h50
